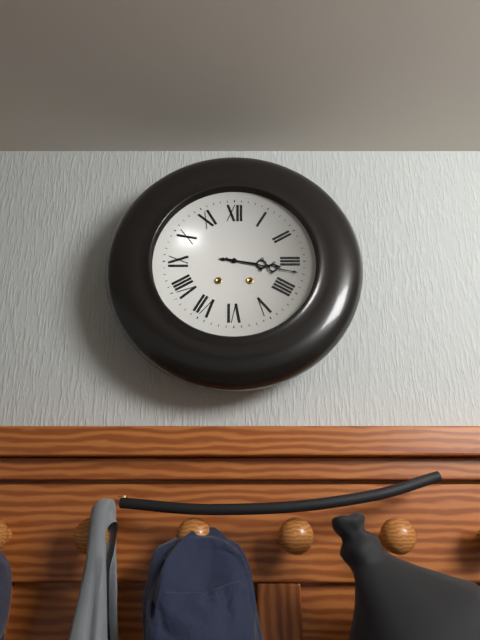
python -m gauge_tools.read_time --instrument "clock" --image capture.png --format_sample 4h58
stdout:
3h17
